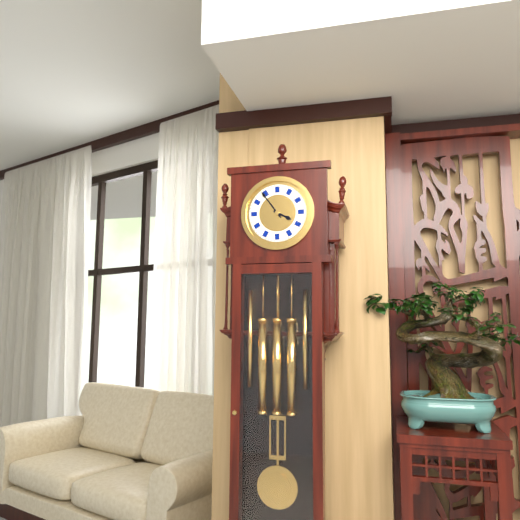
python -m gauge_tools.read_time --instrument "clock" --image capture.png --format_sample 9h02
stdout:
3h54
